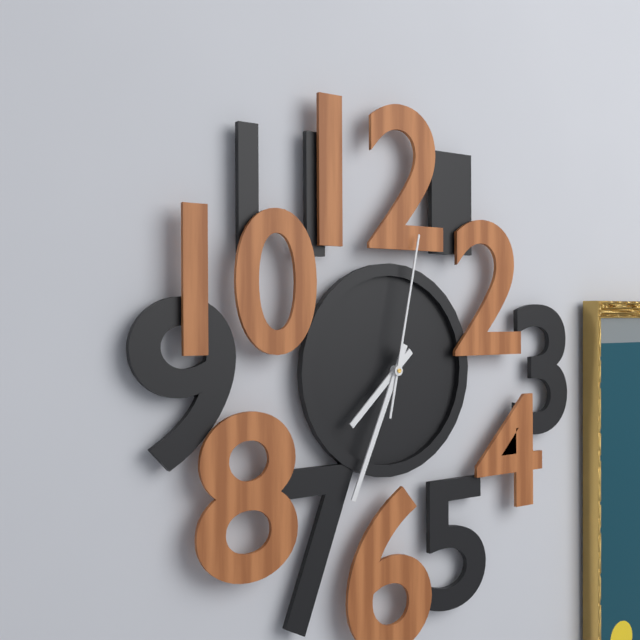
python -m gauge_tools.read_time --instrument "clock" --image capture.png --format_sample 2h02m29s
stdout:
7h34m02s
